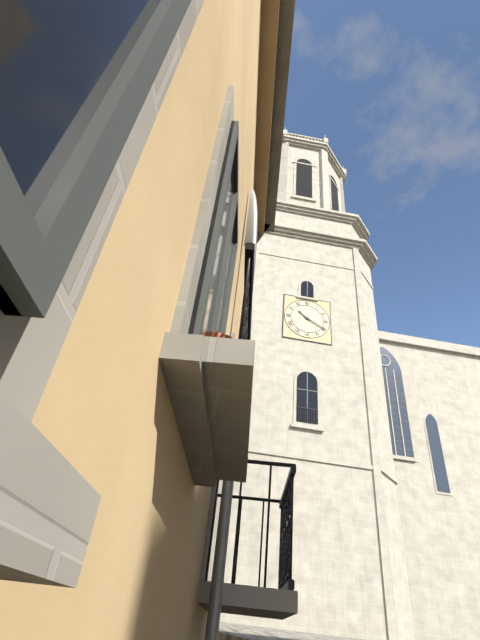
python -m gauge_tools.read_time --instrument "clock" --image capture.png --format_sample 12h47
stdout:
10h20
